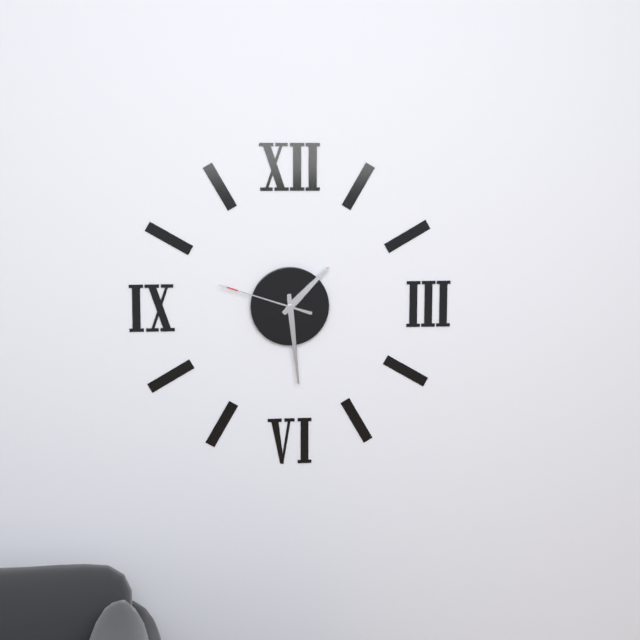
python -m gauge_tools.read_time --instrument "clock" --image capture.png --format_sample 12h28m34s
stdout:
1h29m48s
